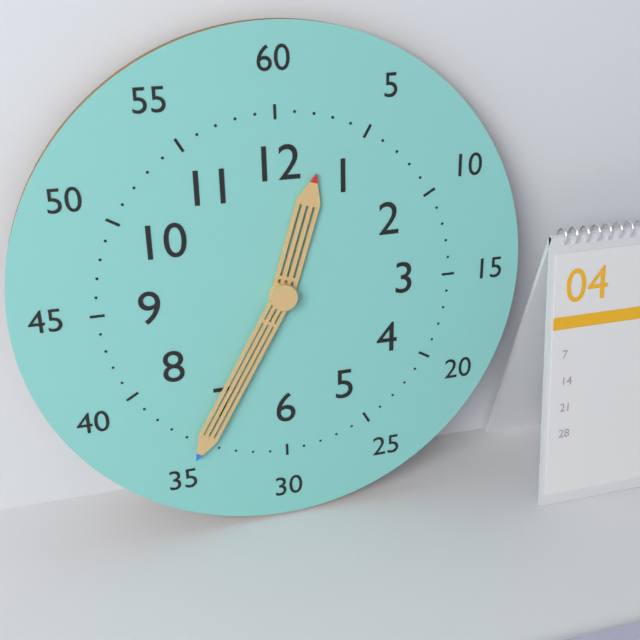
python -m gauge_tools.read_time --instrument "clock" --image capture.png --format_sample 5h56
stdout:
12h35
